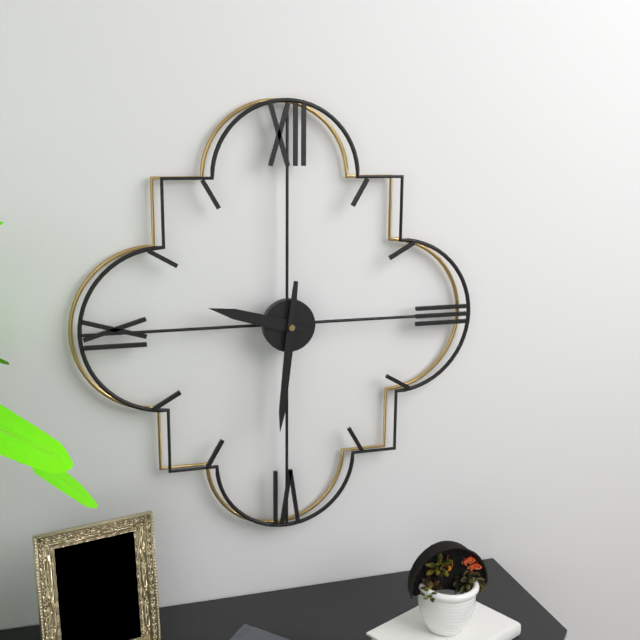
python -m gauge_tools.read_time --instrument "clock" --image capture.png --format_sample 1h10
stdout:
9h31
